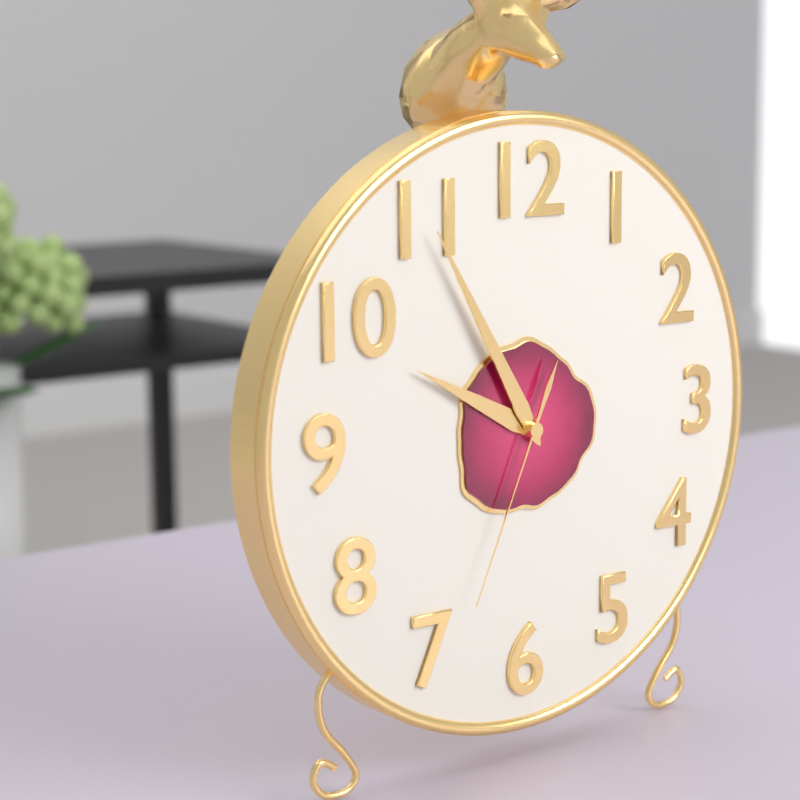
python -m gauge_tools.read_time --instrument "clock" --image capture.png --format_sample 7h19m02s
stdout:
9h55m34s
